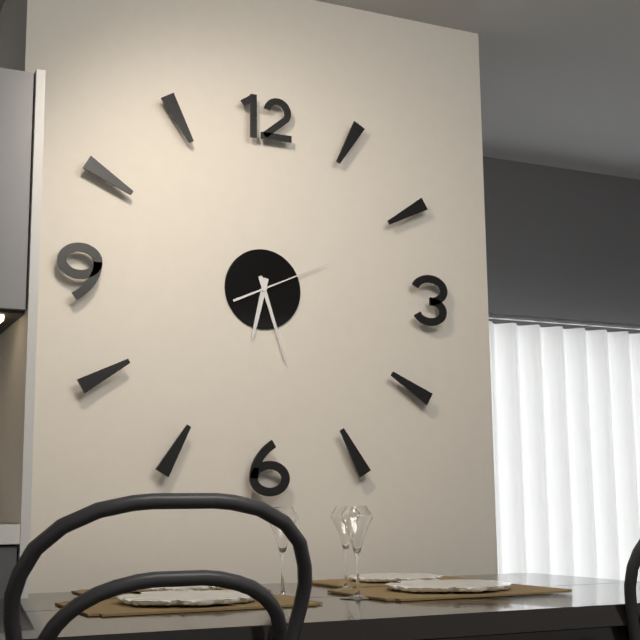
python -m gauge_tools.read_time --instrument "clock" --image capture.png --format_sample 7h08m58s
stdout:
6h27m11s
